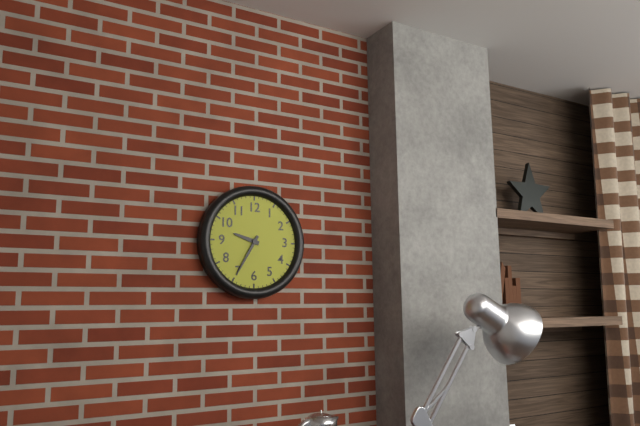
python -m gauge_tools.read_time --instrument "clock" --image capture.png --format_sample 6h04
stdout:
9h35
